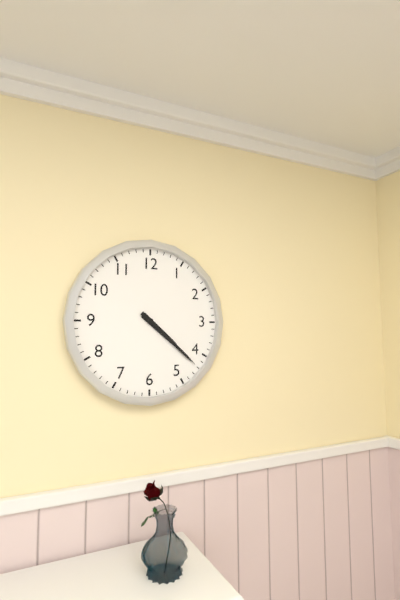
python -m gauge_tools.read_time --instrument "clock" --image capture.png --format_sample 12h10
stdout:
4h22
